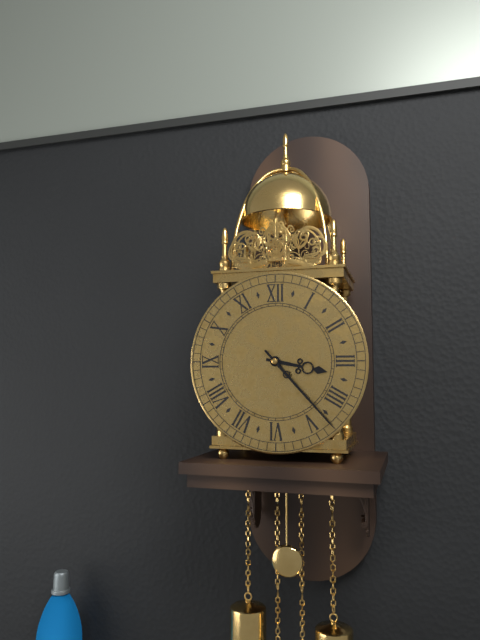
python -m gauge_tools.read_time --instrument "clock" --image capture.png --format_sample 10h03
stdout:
3h23
